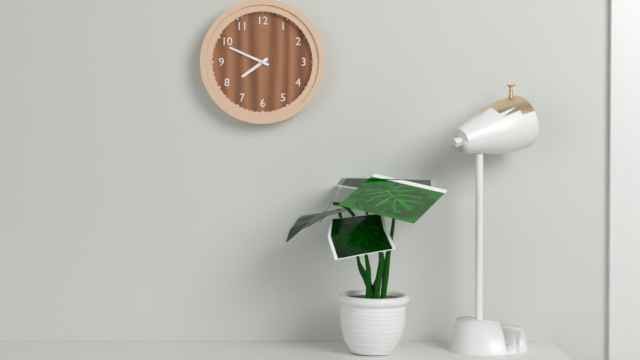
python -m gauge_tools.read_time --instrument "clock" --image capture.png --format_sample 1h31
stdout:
7h49
